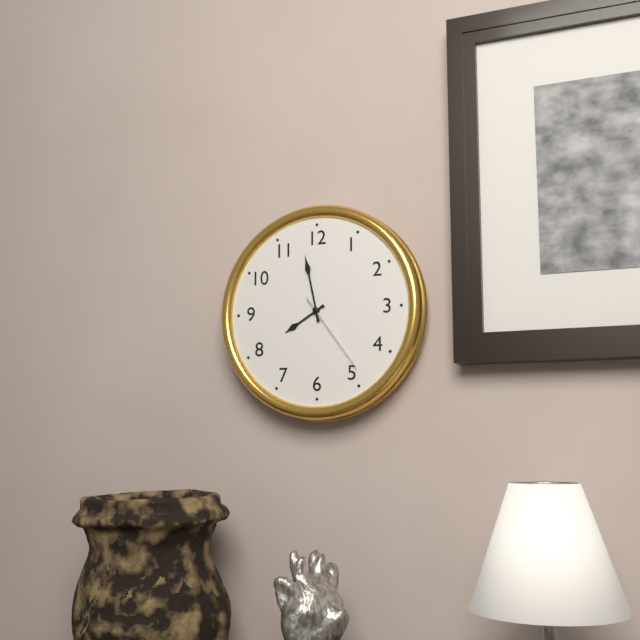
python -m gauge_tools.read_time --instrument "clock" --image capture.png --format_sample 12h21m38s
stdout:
7h58m24s
